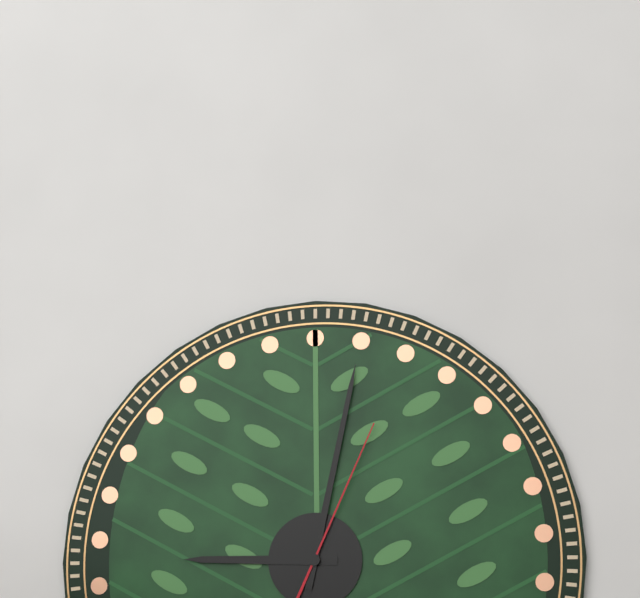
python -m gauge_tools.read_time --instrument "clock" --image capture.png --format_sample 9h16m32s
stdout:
9h02m04s
